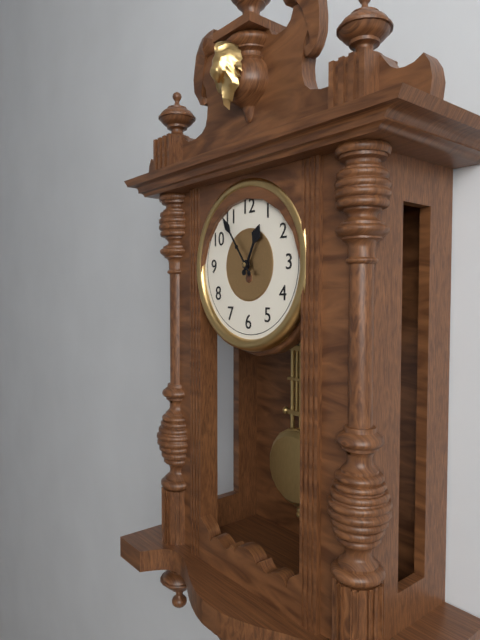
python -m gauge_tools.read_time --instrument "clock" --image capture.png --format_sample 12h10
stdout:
12h54
